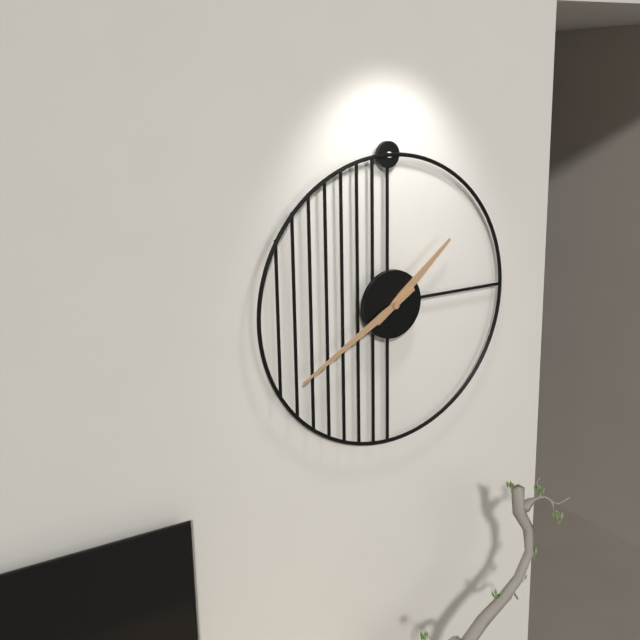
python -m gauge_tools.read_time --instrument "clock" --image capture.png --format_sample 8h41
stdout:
1h40
